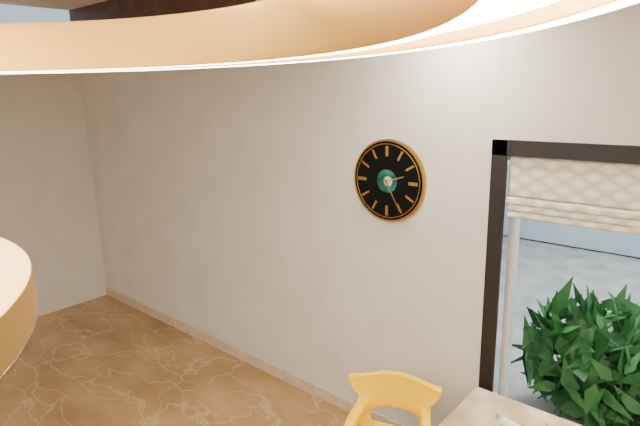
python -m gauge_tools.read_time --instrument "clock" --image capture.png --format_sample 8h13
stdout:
2h25
